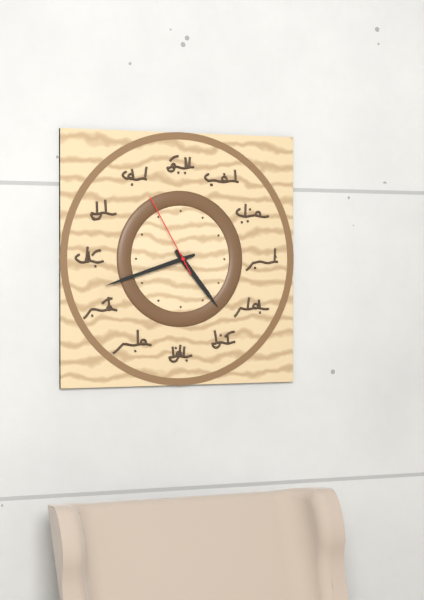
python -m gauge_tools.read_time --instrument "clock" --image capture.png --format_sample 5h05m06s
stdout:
4h42m55s
